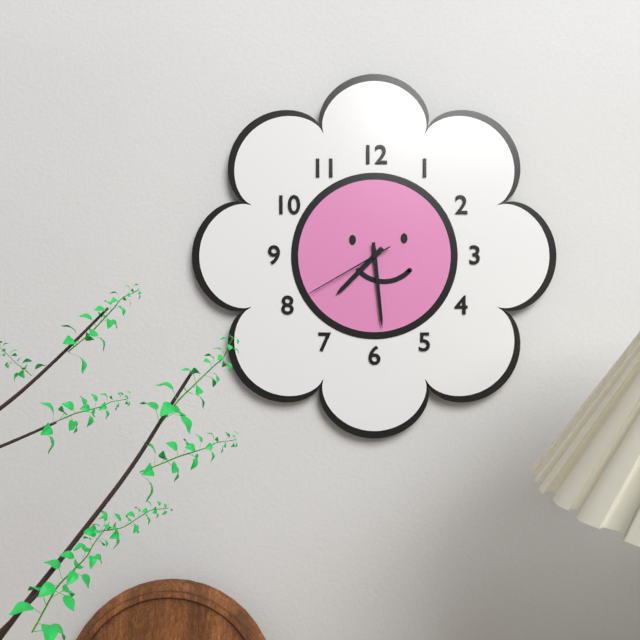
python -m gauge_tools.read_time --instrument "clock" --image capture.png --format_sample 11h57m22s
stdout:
7h29m40s
